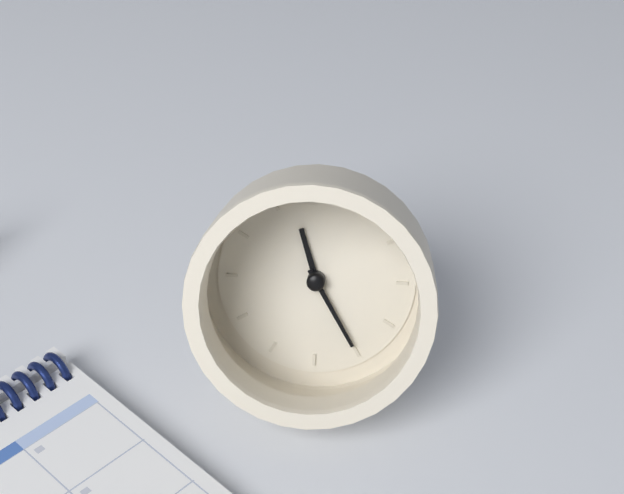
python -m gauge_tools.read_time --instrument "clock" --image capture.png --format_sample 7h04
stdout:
11h25
